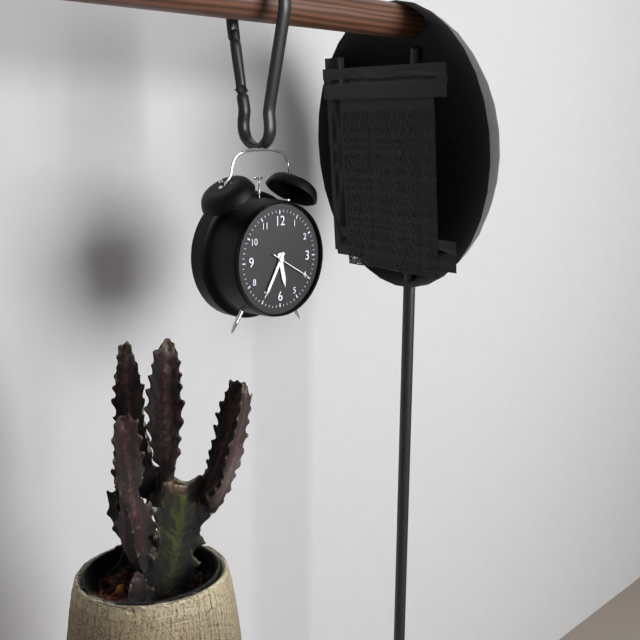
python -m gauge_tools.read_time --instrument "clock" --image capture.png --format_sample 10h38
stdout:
5h35
